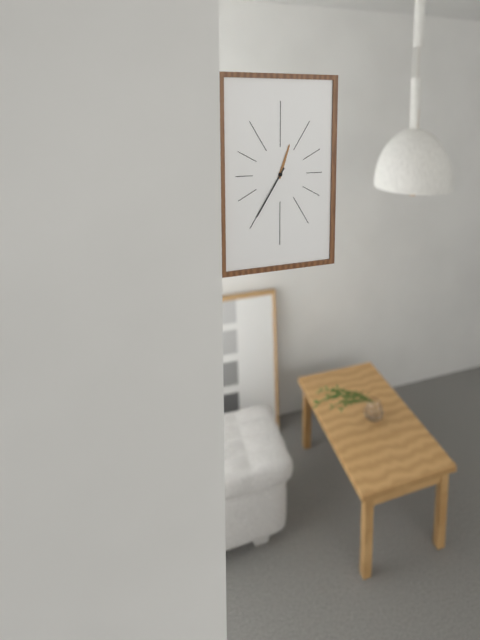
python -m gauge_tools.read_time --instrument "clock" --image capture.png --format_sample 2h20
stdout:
12h35
